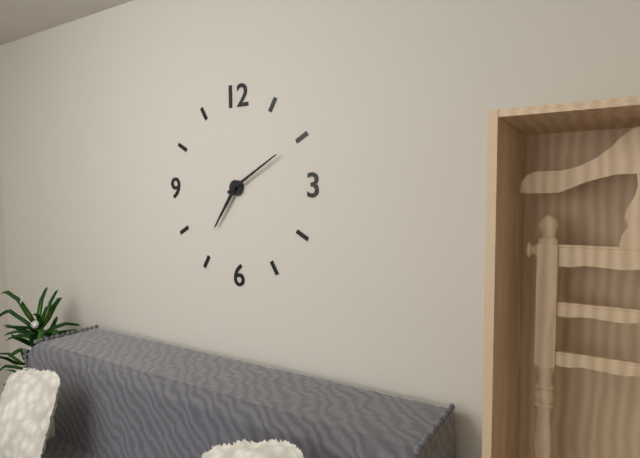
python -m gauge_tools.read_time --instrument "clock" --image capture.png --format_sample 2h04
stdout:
7h10
